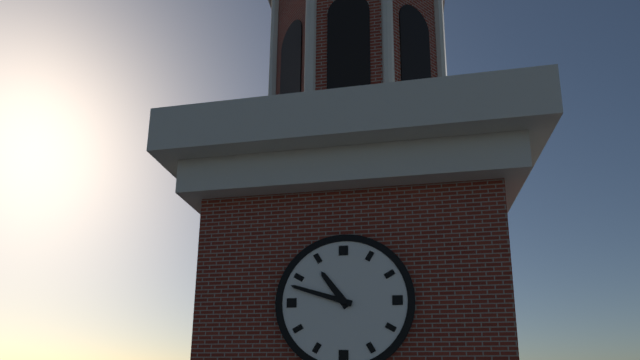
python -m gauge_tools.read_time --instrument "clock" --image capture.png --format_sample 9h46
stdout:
10h48
